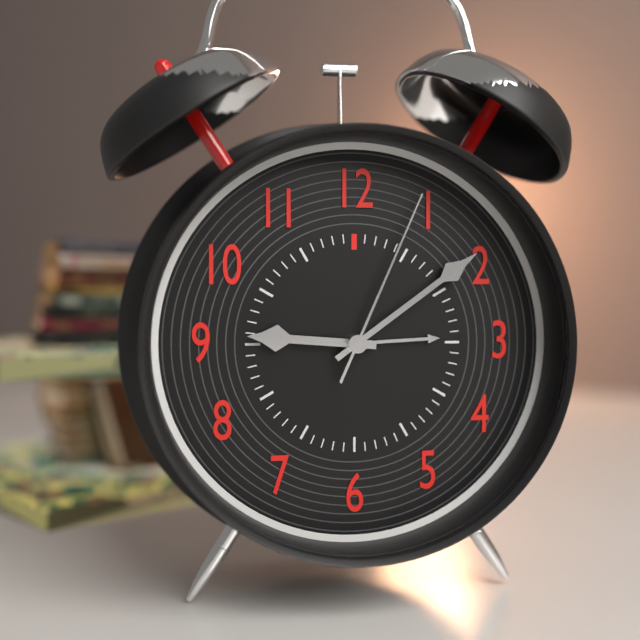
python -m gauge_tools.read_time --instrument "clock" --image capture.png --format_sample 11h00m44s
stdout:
9h09m04s
